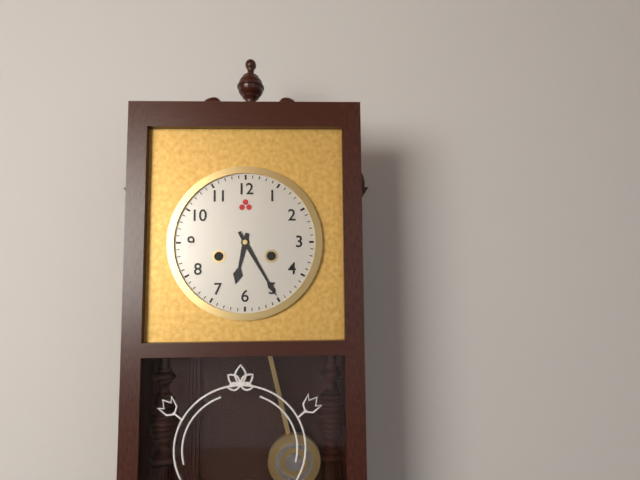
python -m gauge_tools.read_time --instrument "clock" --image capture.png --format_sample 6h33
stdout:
6h25
